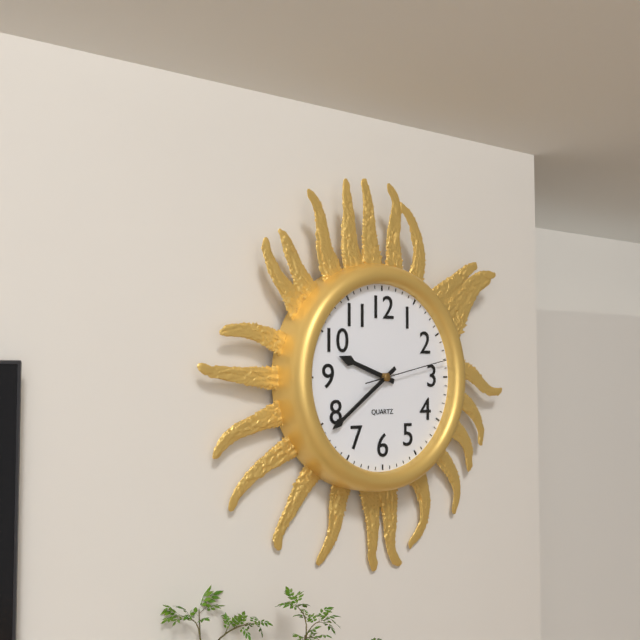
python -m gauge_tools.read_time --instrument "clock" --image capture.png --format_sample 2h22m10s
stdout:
9h39m13s
